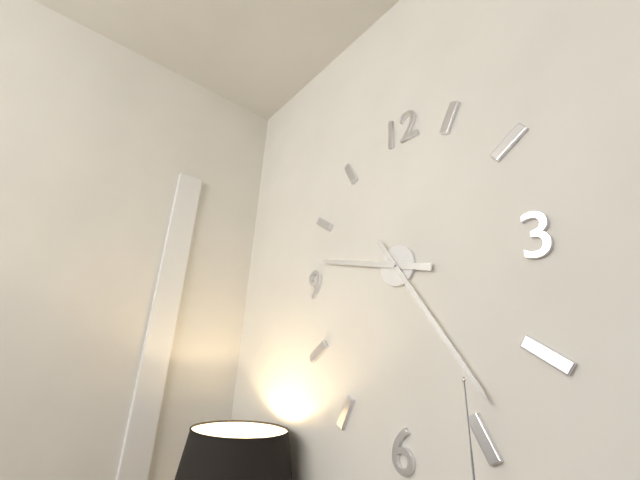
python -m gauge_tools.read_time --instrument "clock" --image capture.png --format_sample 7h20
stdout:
9h24
